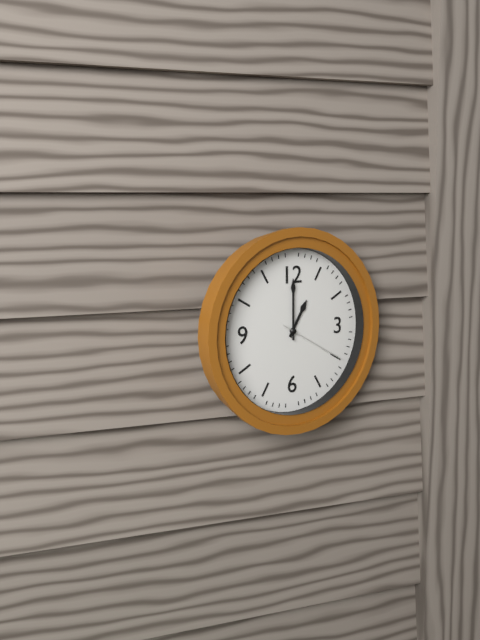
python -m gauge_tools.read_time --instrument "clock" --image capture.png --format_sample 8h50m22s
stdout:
1h00m20s
